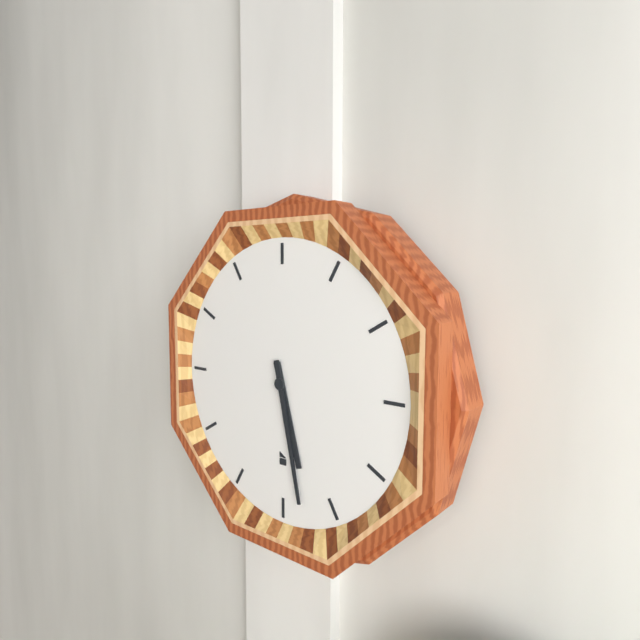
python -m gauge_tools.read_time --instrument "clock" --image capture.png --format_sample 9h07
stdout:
5h28
